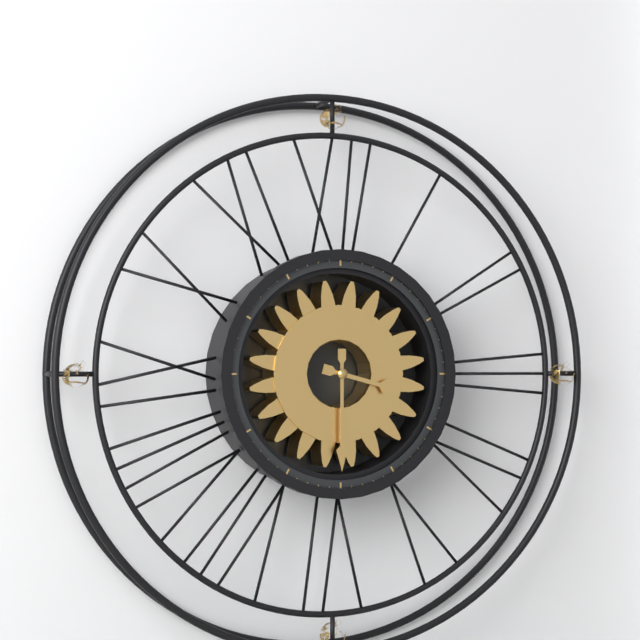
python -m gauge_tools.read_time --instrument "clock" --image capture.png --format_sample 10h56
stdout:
3h30
